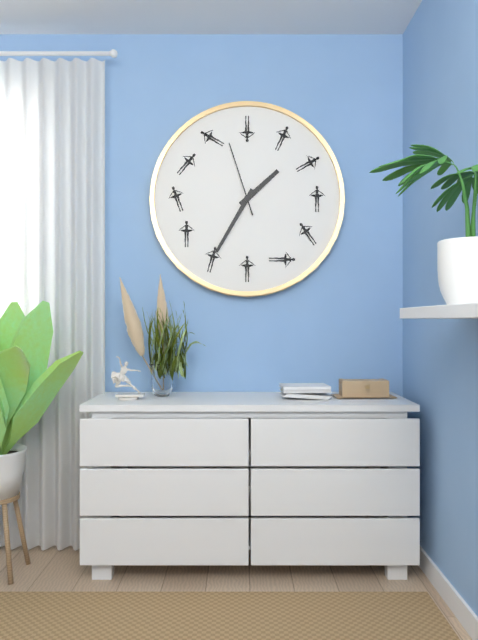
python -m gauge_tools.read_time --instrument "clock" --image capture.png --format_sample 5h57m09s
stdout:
1h35m57s
